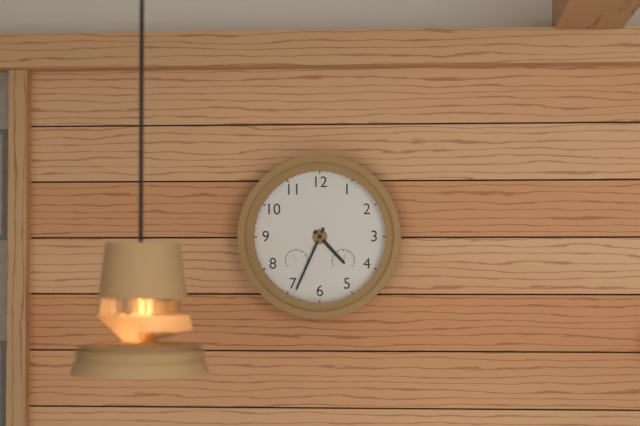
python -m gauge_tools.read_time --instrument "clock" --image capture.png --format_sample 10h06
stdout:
4h34
